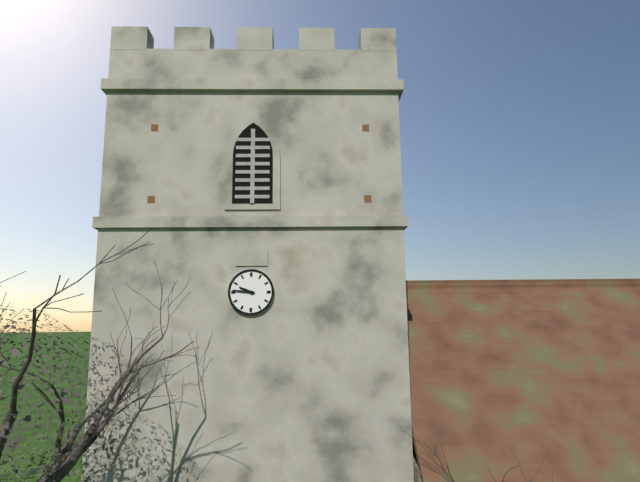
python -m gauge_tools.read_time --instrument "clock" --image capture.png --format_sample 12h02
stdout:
9h46
